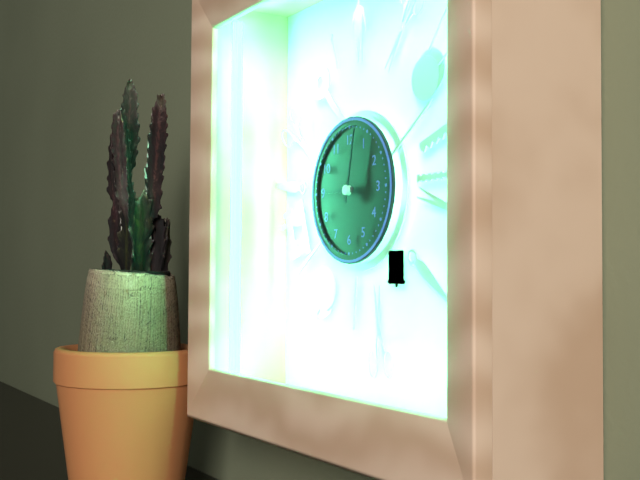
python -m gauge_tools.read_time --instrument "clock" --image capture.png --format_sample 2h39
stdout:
9h02
